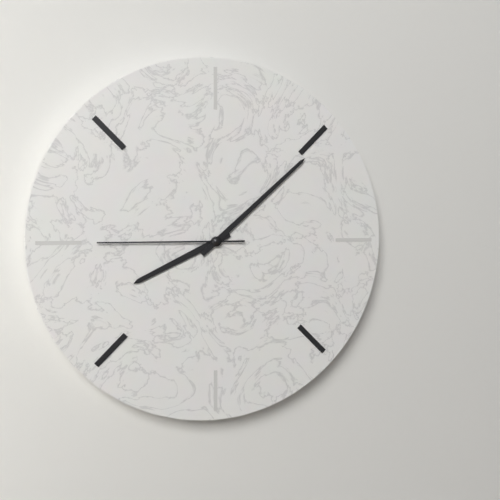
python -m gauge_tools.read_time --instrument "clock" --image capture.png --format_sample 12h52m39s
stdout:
8h08m45s
